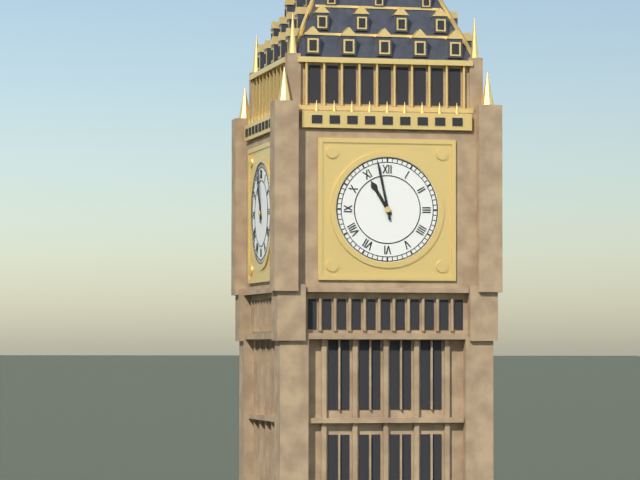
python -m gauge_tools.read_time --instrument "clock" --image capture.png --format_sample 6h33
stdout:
10h58
